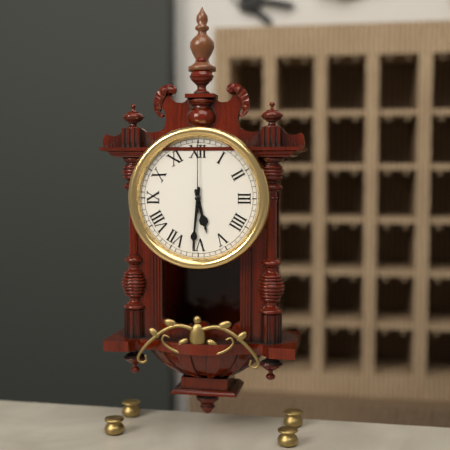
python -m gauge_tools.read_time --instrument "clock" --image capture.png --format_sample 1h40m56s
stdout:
5h31m00s
